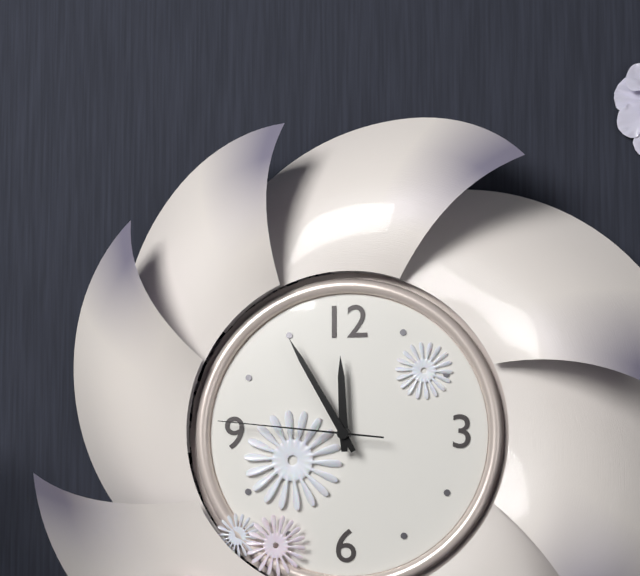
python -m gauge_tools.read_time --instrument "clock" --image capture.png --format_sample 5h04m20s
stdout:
11h55m46s
